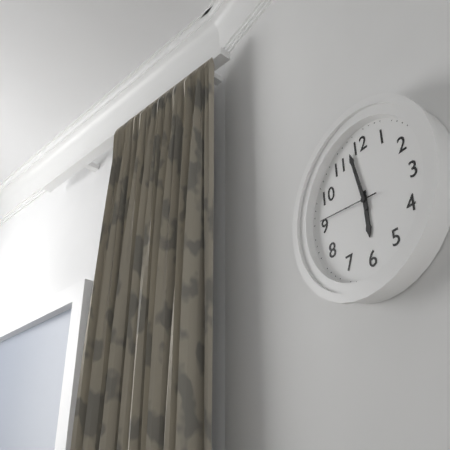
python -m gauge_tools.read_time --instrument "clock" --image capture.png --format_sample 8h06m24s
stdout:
5h58m46s
